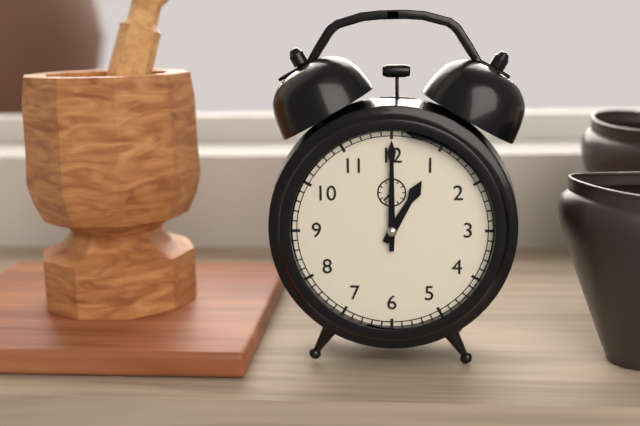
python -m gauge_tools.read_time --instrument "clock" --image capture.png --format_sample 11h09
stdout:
1h00
